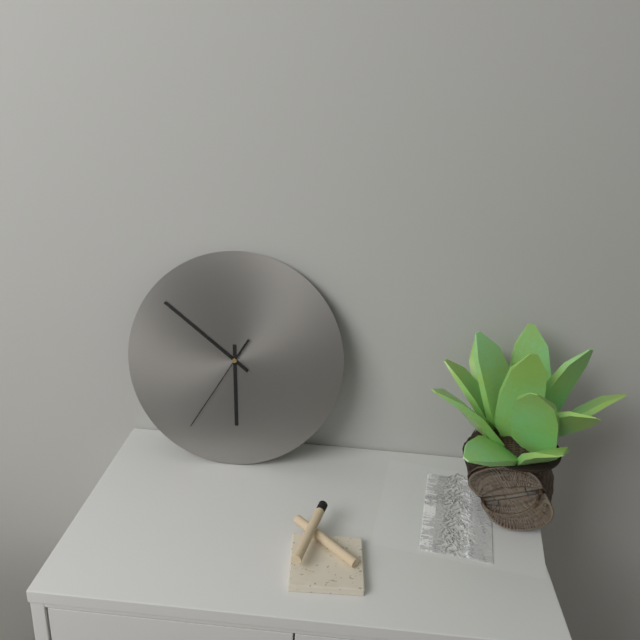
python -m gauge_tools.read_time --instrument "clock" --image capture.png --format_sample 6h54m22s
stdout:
5h51m35s
